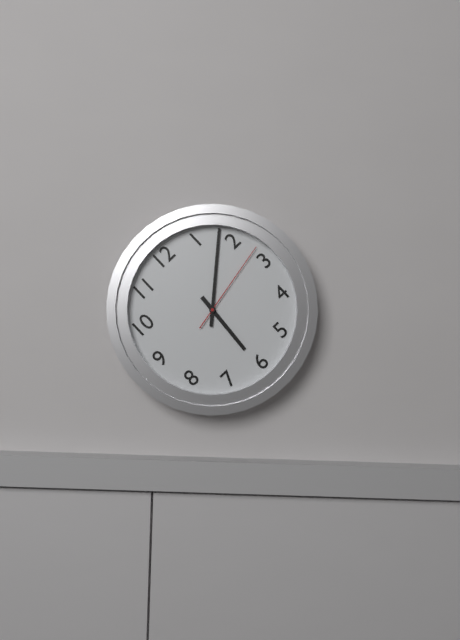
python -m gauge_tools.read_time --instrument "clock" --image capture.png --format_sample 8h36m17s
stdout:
6h08m13s
